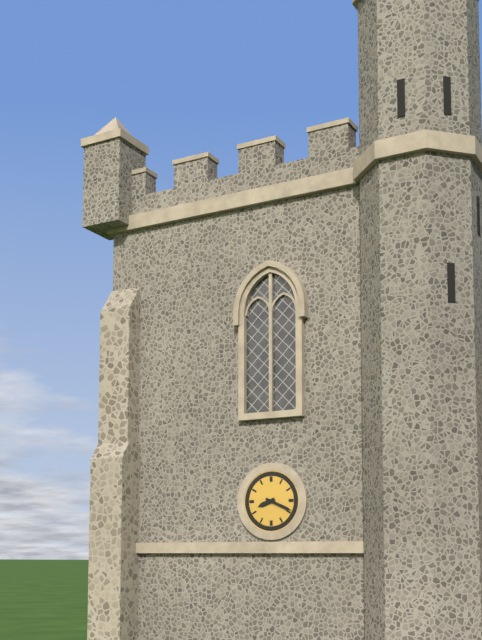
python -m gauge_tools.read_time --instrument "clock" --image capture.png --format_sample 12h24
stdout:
8h19
